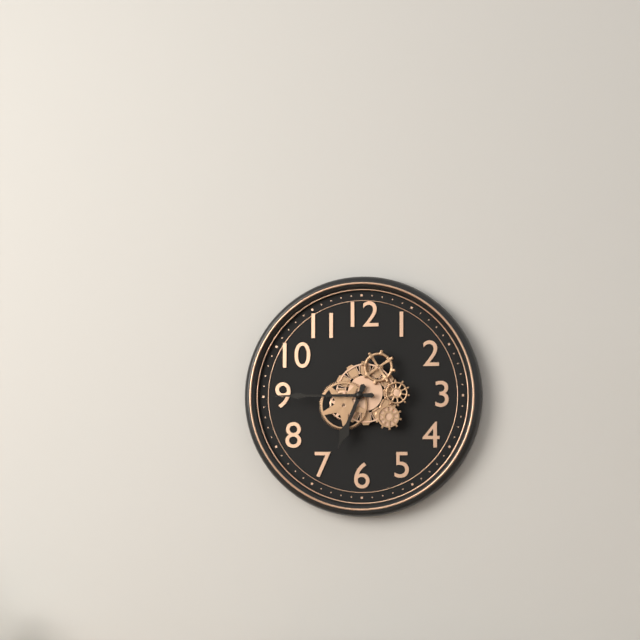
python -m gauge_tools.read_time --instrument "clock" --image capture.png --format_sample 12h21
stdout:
6h45
